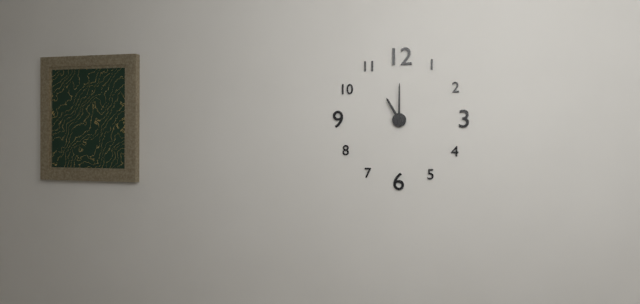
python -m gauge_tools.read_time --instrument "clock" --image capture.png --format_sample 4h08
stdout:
11h00
